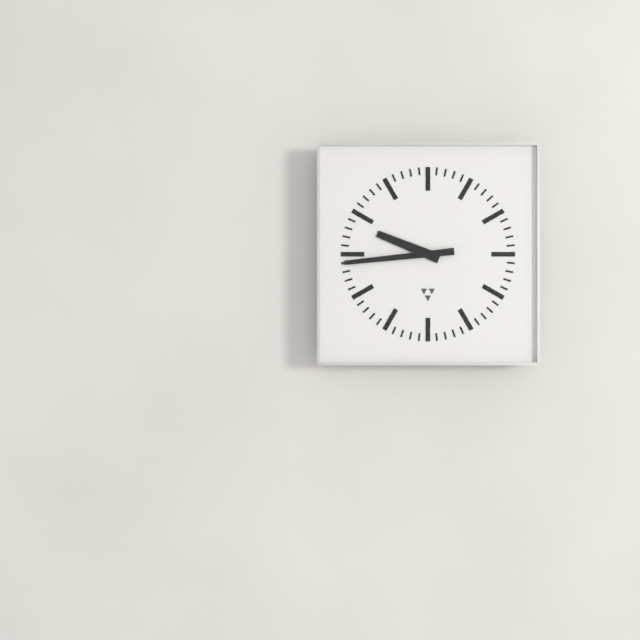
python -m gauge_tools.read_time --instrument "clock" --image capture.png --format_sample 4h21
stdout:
9h44
